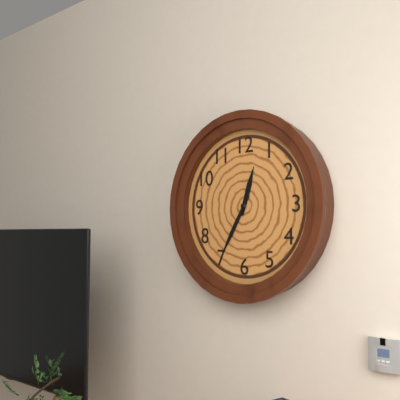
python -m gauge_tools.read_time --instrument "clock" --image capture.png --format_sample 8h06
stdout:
12h35
